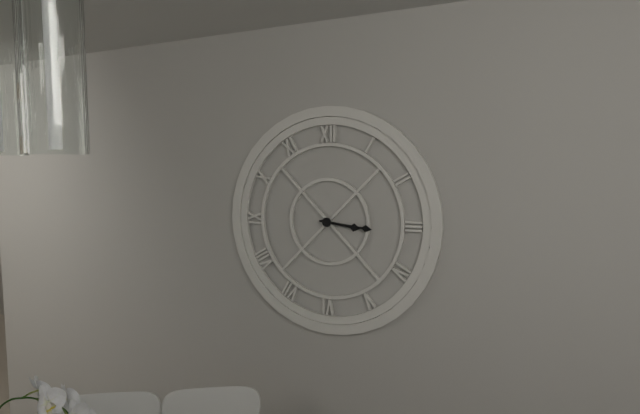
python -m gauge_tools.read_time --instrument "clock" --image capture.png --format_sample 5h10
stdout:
3h16
